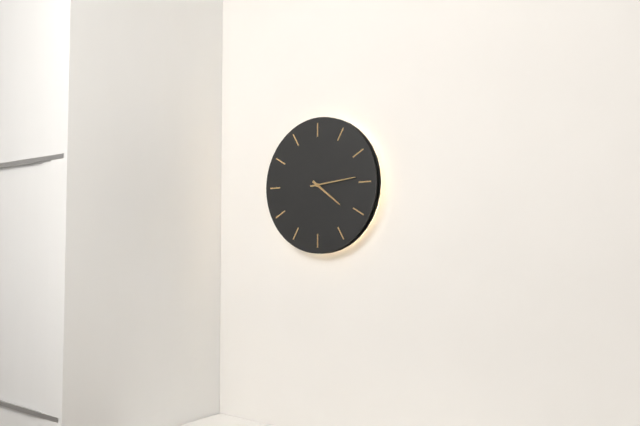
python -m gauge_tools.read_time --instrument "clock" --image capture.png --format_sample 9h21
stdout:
4h14
